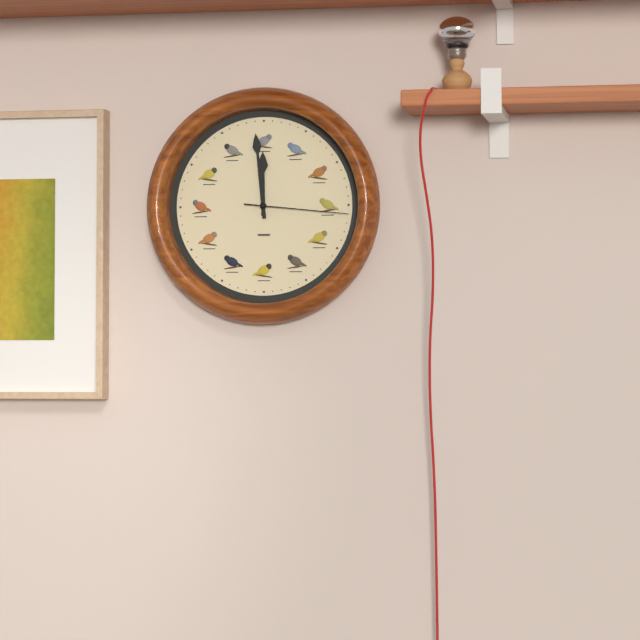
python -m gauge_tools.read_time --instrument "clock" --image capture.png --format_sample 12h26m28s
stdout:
11h59m16s
